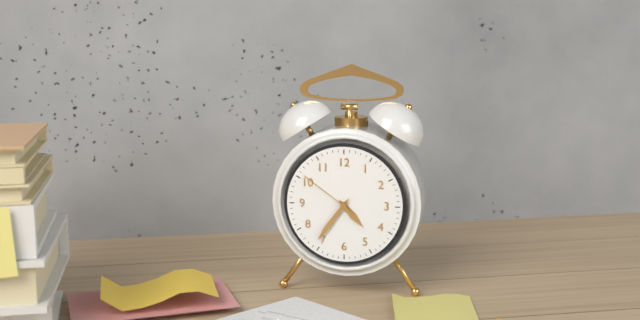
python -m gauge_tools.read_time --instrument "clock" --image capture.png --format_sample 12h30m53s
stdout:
4h36m51s
